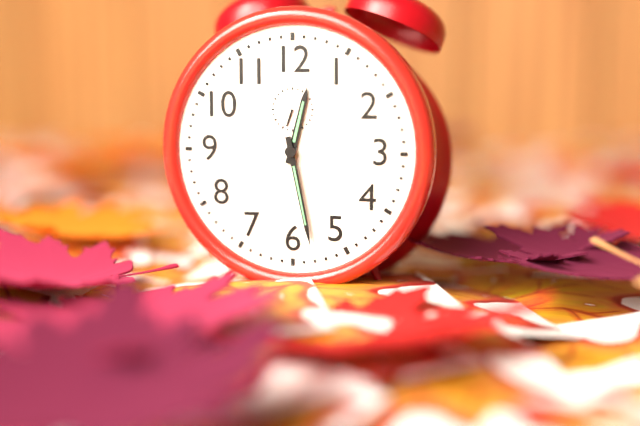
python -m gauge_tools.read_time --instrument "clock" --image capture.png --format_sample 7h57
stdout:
12h28
